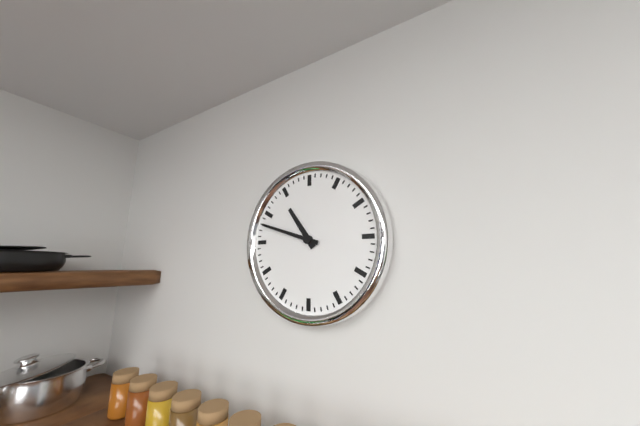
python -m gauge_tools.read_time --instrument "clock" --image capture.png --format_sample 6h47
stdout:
10h48
